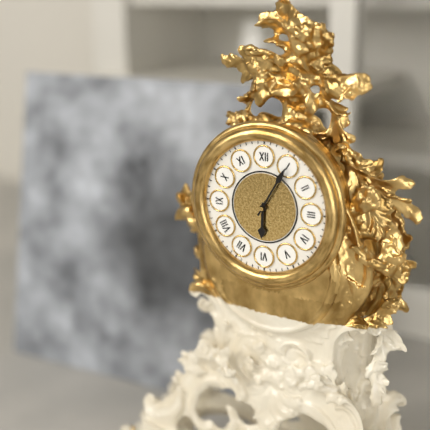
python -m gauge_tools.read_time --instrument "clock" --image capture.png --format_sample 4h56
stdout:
6h05
